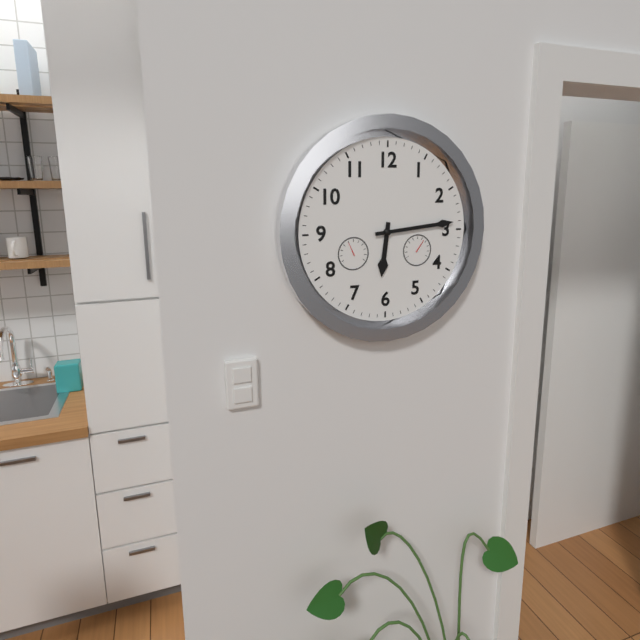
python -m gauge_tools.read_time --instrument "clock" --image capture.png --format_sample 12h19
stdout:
6h14
